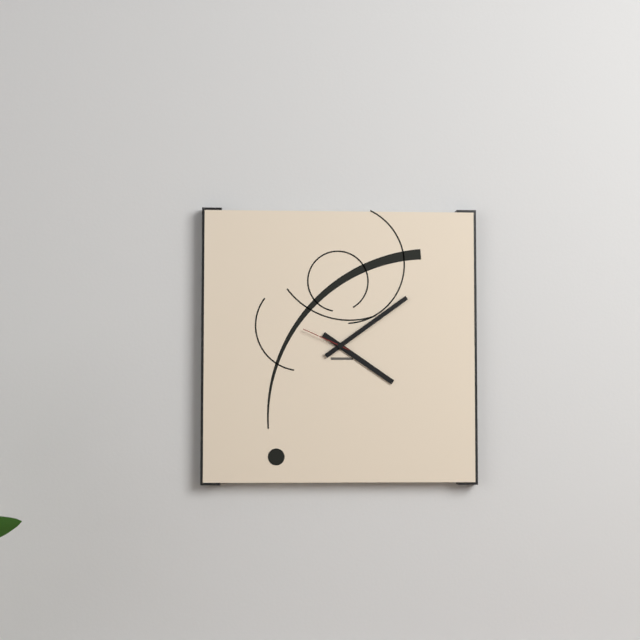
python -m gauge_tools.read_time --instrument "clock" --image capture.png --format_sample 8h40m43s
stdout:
4h09m49s
